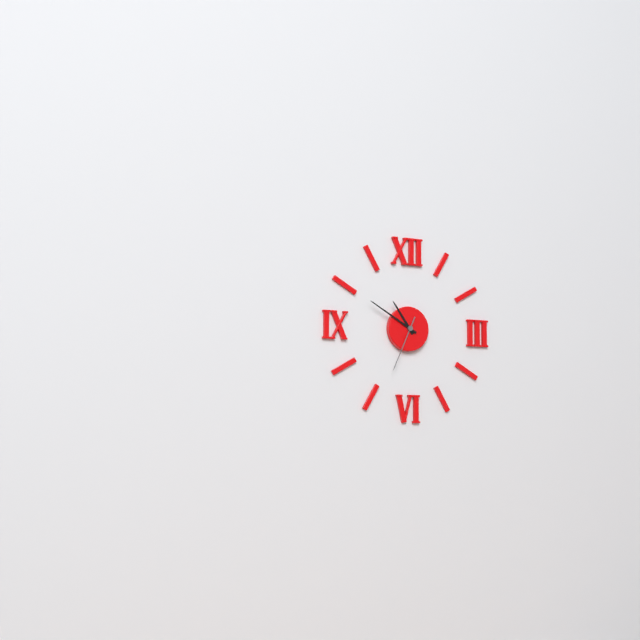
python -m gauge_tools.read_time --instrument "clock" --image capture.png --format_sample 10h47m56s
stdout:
10h50m34s
